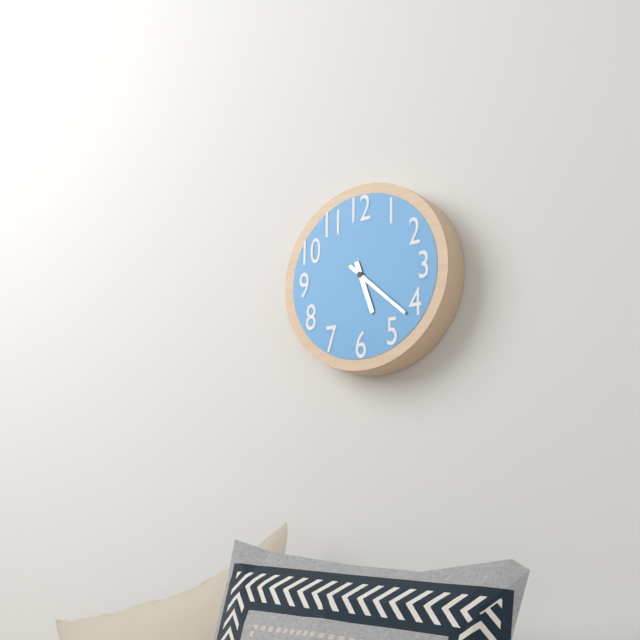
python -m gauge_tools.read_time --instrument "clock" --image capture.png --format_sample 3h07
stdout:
5h22
